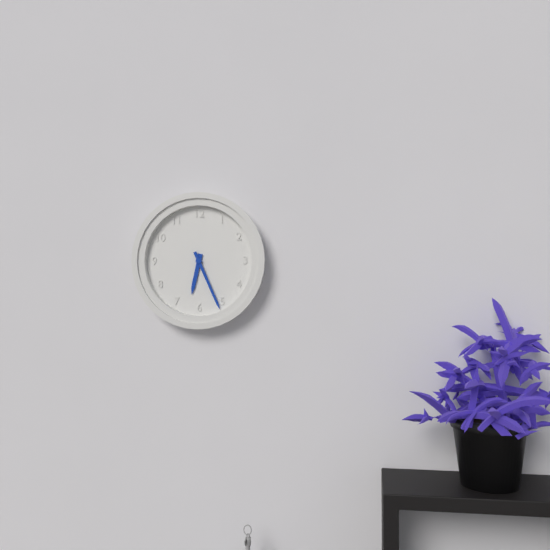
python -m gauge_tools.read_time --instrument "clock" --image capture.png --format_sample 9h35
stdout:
6h26
